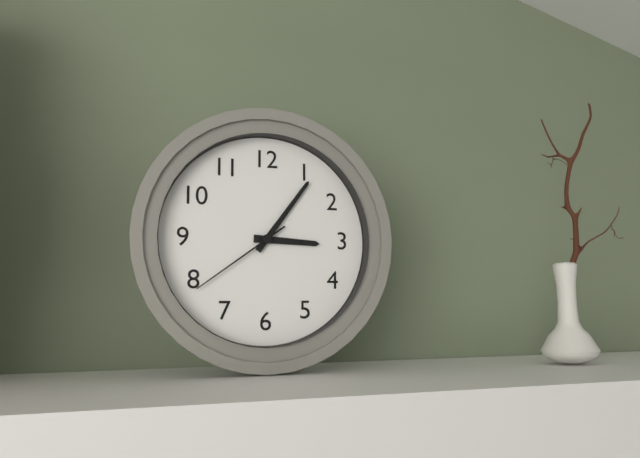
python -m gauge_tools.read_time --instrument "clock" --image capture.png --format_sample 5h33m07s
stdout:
3h06m39s
